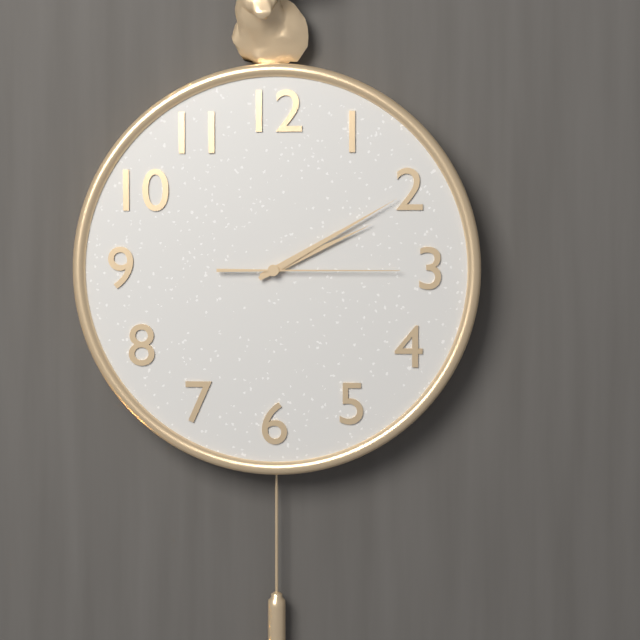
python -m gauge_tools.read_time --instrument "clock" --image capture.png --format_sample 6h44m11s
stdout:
2h10m15s
